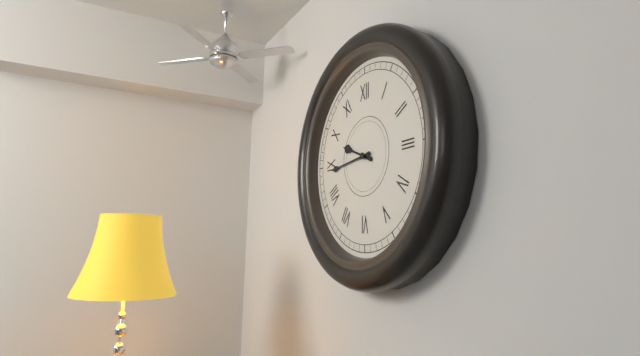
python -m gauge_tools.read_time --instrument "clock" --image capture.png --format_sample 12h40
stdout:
9h44
